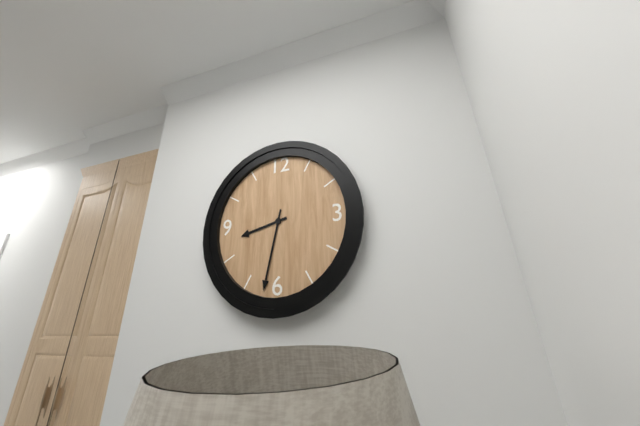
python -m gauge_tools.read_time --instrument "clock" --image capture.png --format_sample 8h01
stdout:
8h32
